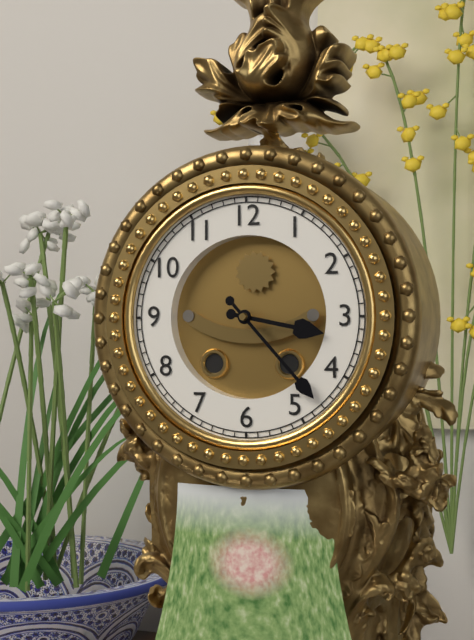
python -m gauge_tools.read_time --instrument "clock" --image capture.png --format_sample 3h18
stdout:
3h23
